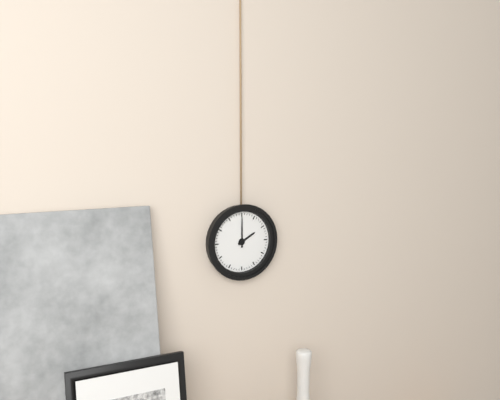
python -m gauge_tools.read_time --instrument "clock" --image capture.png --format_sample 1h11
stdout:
2h00
